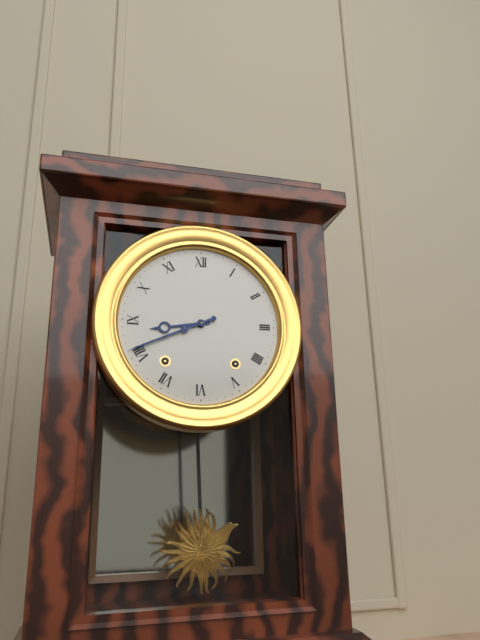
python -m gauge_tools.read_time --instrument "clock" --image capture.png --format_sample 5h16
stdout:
8h41
